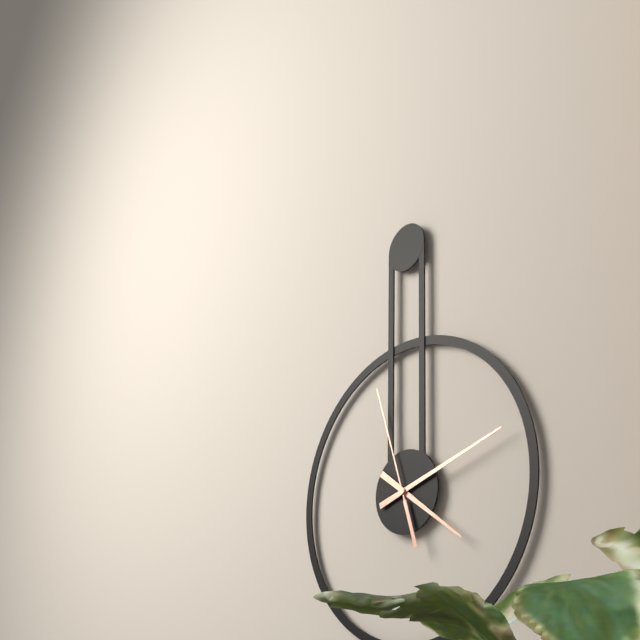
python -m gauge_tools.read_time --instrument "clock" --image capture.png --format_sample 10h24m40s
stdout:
4h12m57s
